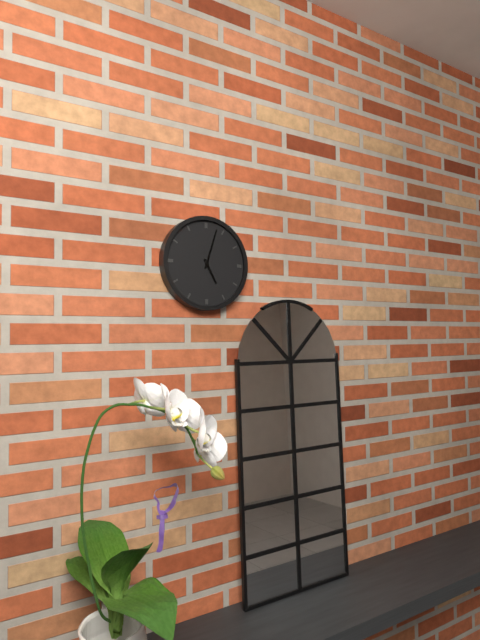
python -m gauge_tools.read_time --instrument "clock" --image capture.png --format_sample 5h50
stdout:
5h03
